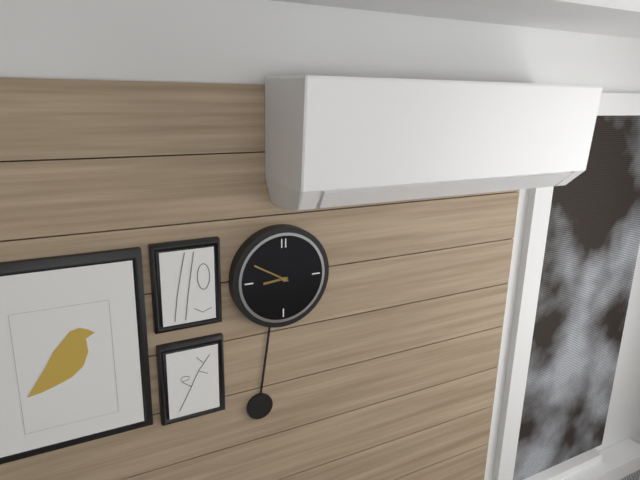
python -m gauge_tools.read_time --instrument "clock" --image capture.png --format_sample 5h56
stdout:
8h50
